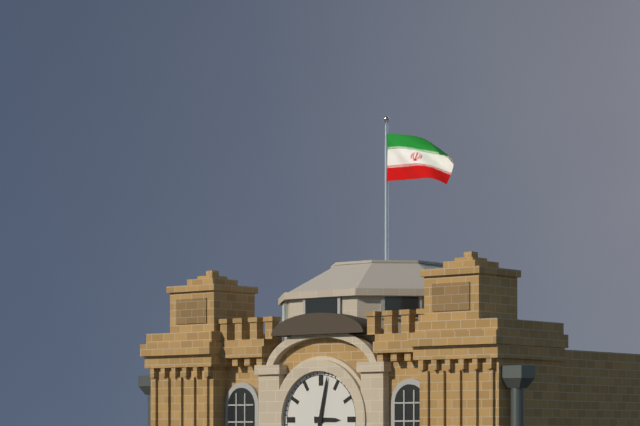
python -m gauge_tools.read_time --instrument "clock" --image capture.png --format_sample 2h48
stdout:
3h02
